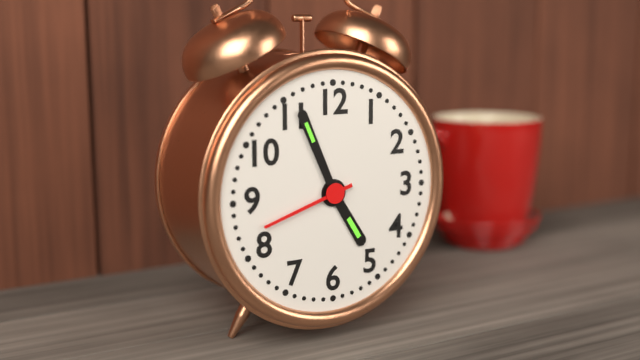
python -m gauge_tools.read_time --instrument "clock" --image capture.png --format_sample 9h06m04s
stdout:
4h56m42s
